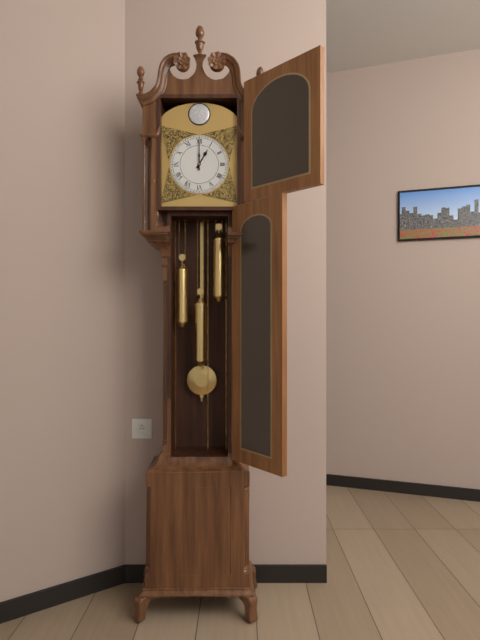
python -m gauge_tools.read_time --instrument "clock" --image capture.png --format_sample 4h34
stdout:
1h00
